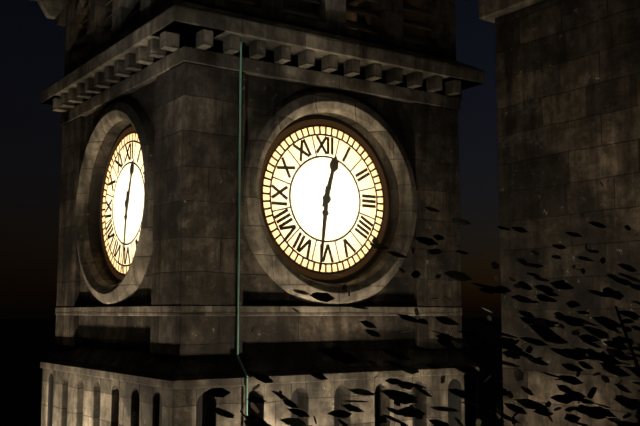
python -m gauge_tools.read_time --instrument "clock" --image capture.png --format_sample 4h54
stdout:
12h31
